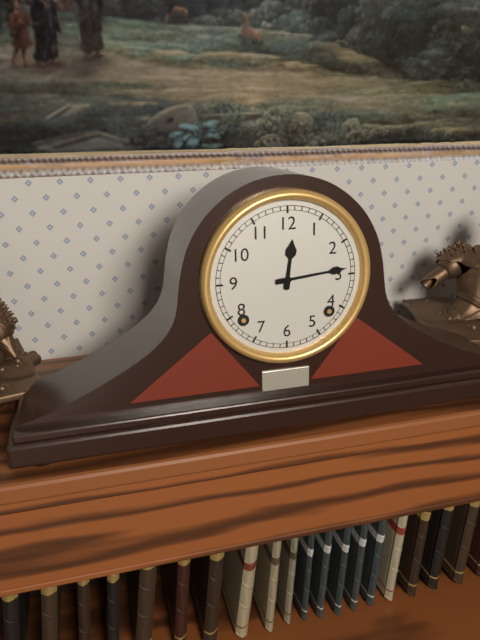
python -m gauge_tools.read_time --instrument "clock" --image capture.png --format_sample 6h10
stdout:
12h14
